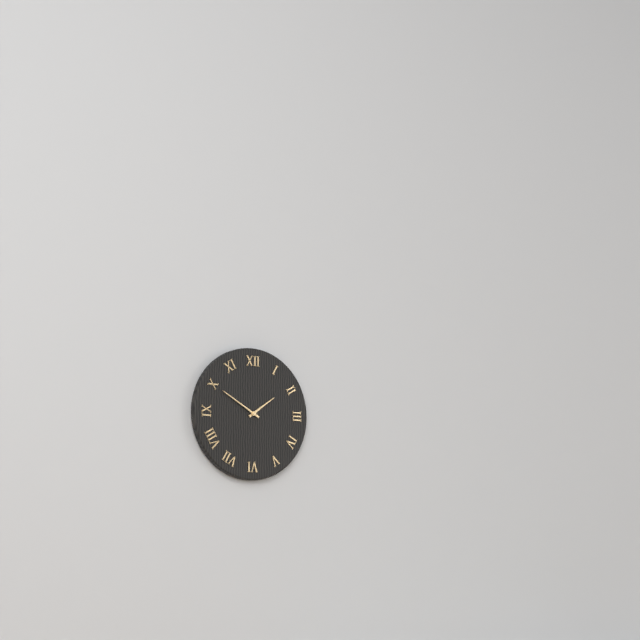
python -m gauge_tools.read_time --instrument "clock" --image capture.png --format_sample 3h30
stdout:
1h50
